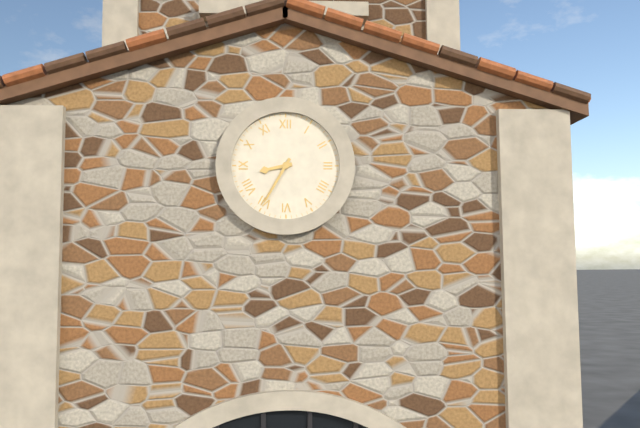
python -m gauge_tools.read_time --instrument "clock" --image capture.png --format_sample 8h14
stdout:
8h35
